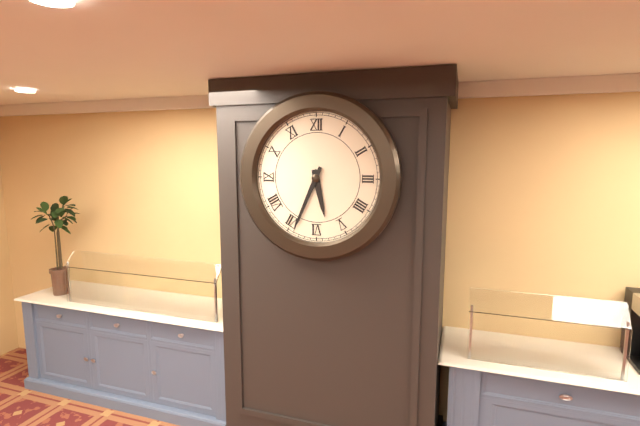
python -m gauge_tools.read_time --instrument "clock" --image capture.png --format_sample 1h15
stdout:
5h34
